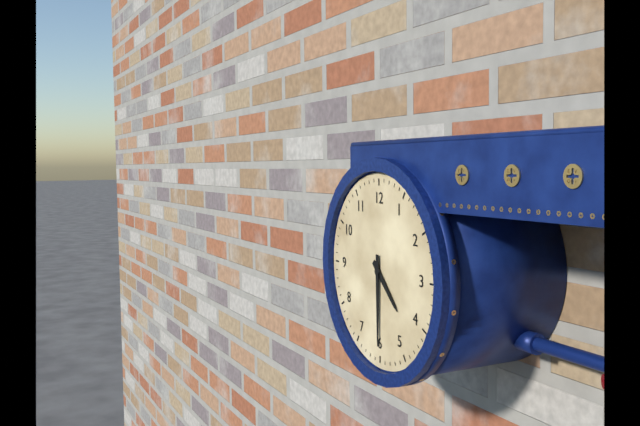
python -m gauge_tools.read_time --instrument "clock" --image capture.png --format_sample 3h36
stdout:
4h30
